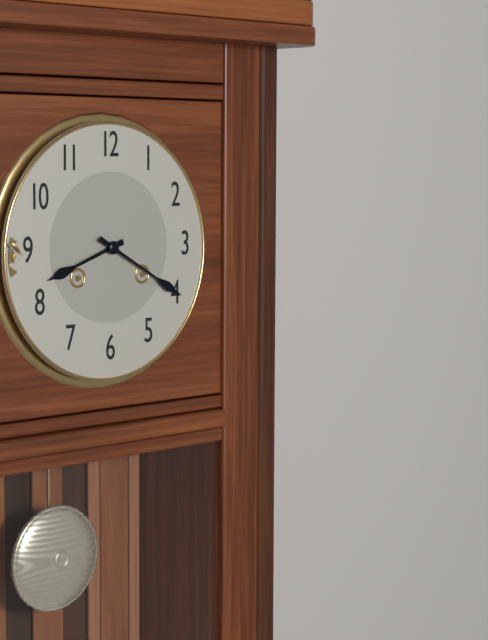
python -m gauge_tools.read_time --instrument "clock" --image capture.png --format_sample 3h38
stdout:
8h20
